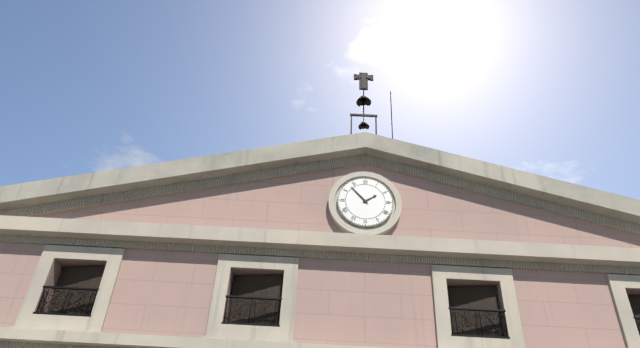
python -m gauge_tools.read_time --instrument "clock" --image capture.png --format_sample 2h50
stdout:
1h53
